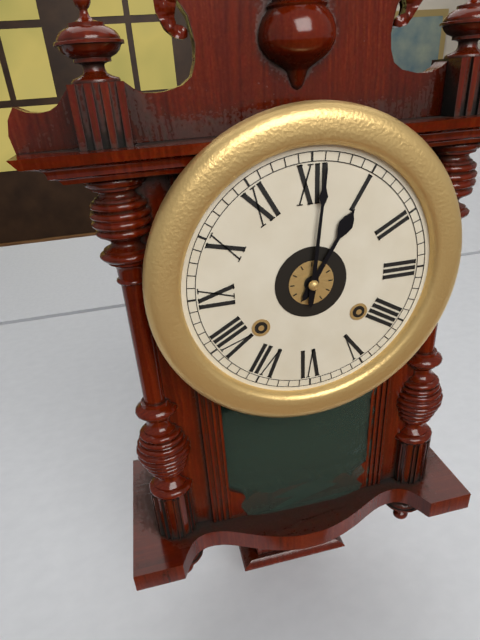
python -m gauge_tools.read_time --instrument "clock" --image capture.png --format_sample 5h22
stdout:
1h01
